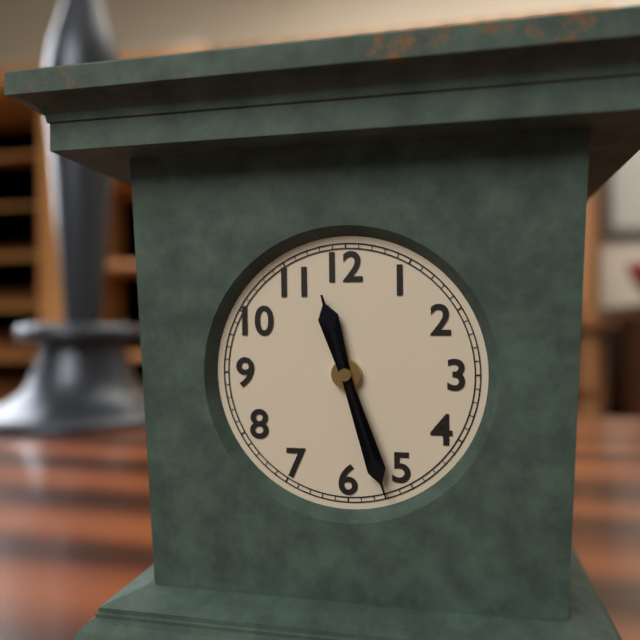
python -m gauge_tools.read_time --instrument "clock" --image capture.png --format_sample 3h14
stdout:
11h27
